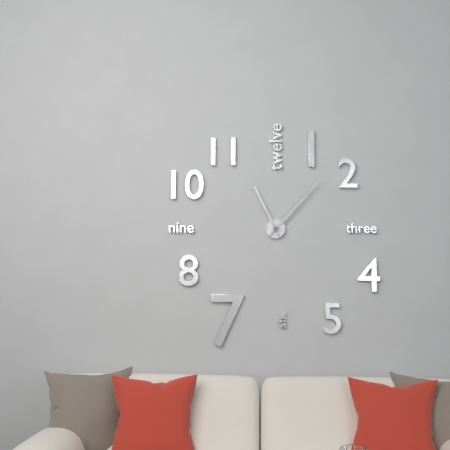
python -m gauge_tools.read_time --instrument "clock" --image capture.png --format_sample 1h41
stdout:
11h07
